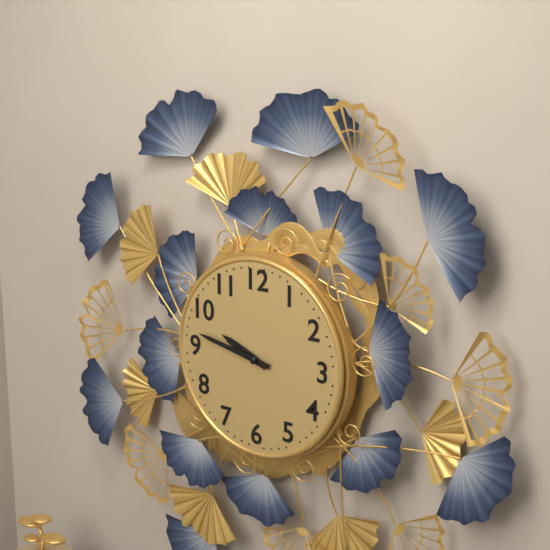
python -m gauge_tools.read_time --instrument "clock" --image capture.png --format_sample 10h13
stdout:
9h47
